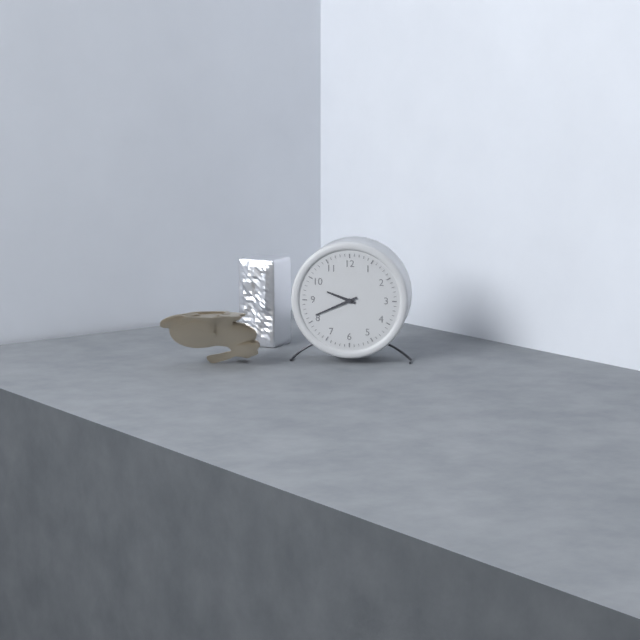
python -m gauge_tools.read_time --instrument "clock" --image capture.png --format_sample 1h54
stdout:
9h41
